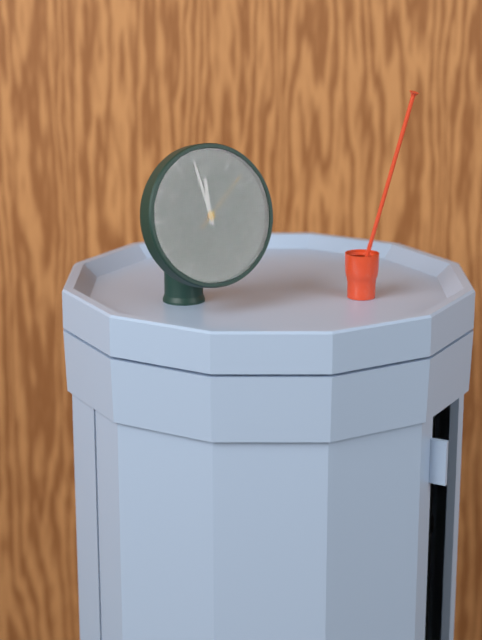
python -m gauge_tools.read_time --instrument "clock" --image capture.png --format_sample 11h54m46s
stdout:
11h58m08s
